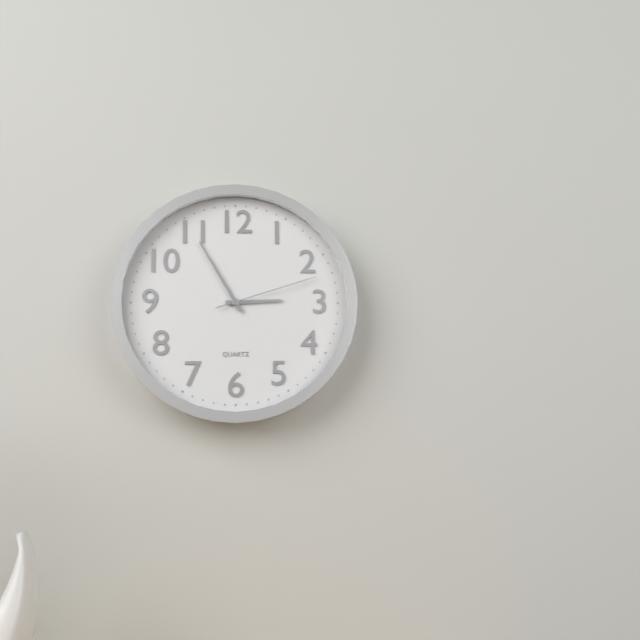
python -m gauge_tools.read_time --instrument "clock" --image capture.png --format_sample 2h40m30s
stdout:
2h55m12s
